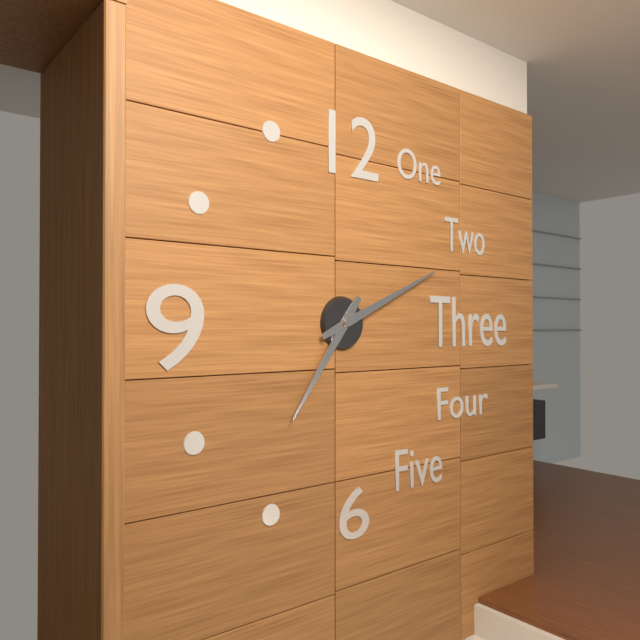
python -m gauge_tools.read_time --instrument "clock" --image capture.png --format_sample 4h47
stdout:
7h11
